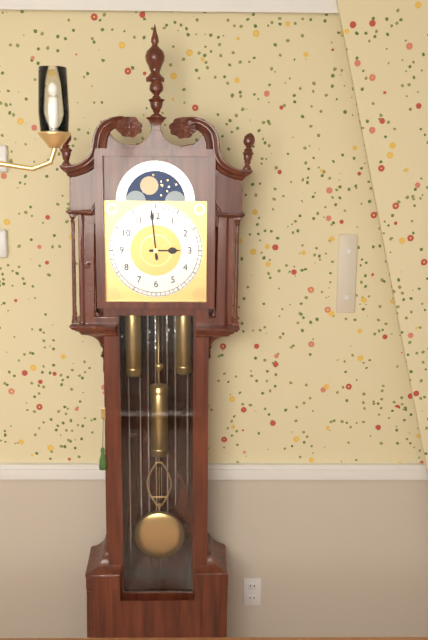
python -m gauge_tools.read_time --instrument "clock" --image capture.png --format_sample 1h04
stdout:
2h59
